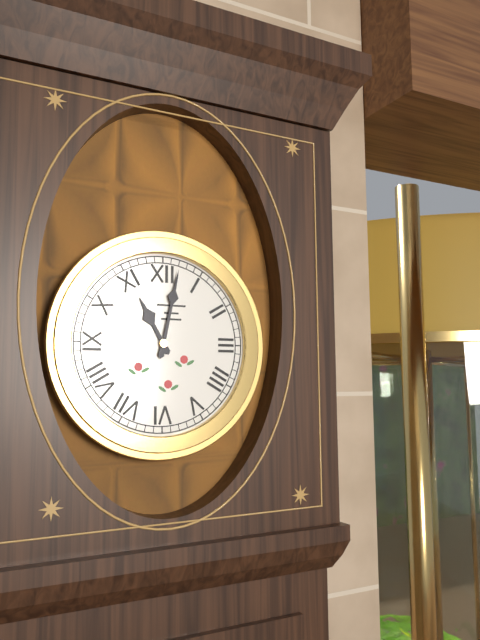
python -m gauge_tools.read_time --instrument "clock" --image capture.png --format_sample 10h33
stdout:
11h02
